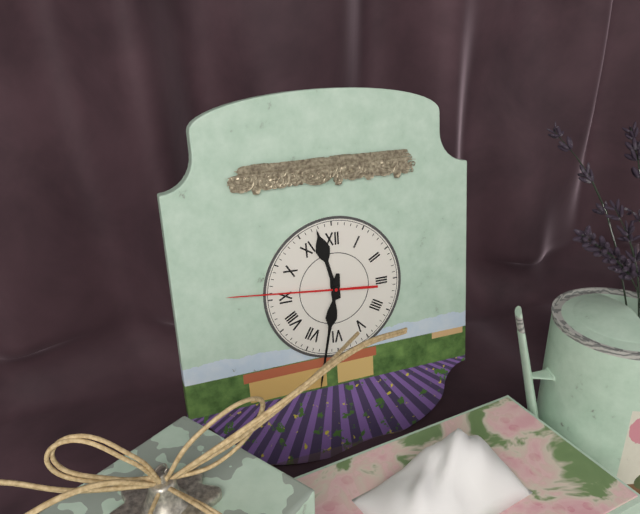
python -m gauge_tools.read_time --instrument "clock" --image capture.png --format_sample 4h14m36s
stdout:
11h32m46s
